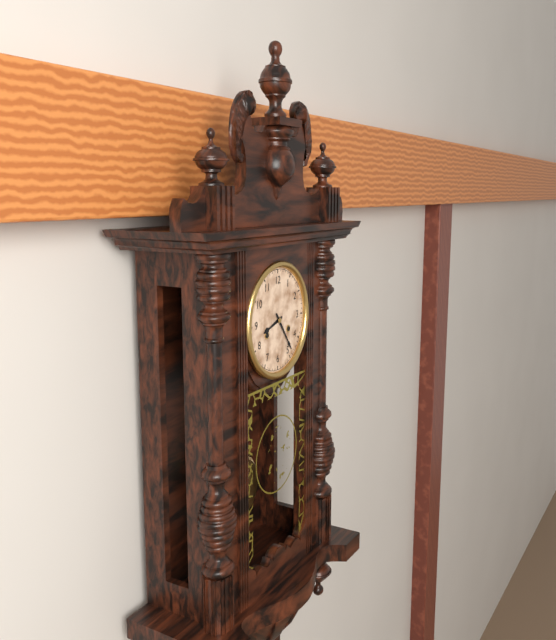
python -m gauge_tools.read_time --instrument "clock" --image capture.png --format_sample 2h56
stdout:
8h24
